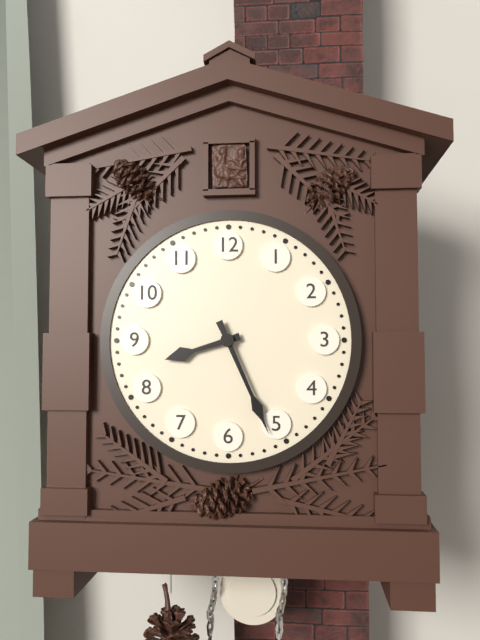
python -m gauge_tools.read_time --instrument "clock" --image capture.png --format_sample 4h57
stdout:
8h26
